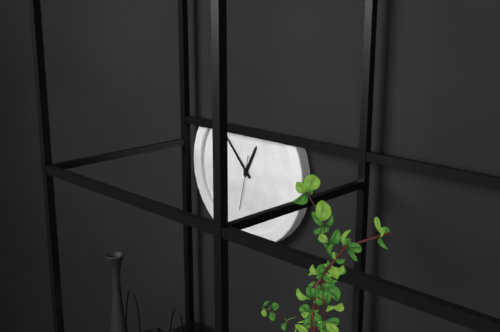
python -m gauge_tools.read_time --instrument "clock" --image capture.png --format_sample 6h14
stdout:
12h53
